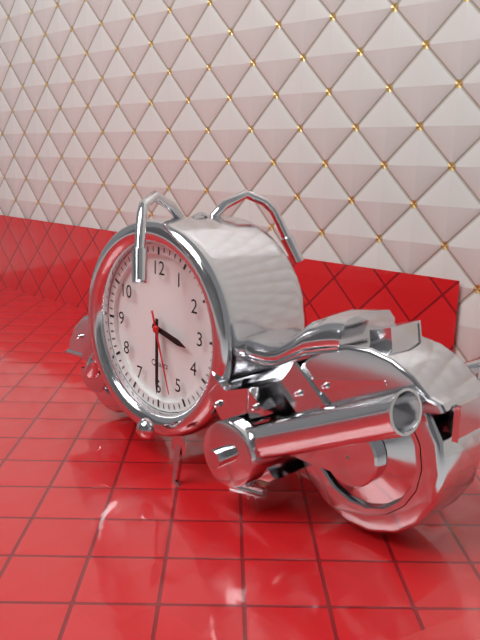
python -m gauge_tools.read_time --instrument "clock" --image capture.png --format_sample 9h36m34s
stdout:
3h30m27s
